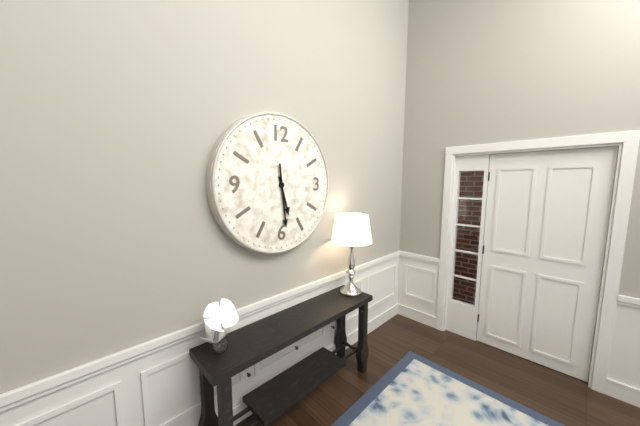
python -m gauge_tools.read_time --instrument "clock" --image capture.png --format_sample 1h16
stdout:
5h29
